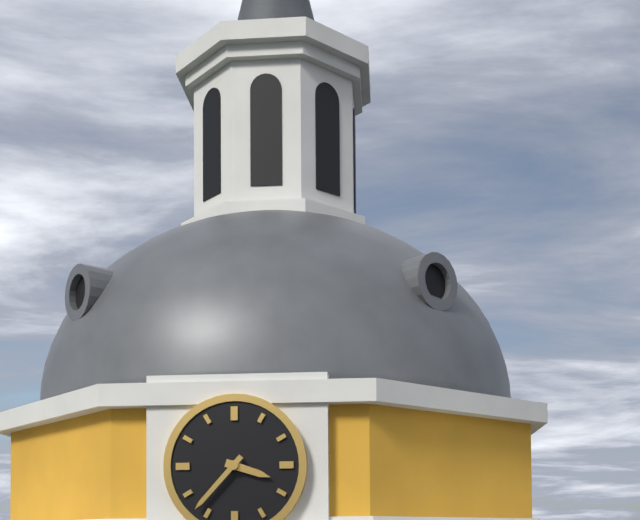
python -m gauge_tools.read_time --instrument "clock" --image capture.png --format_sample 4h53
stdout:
3h37
